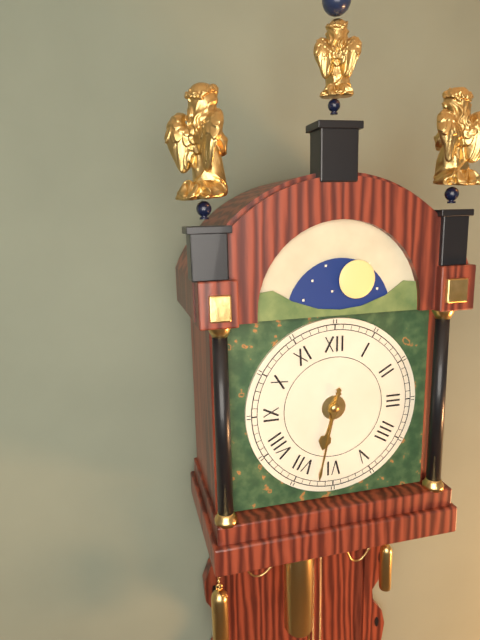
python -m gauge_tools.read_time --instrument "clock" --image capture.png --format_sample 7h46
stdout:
6h32
